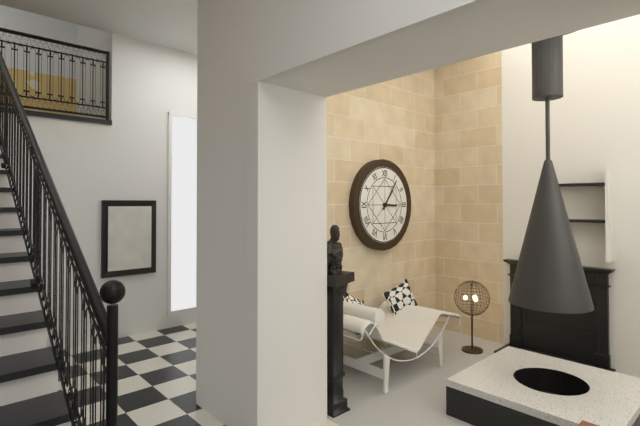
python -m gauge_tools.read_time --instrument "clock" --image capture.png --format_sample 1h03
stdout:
3h06
